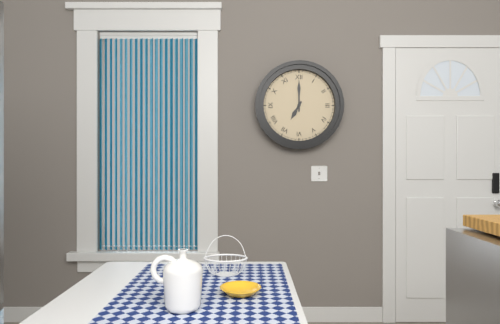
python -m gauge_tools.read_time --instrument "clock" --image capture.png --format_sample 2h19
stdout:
7h00
